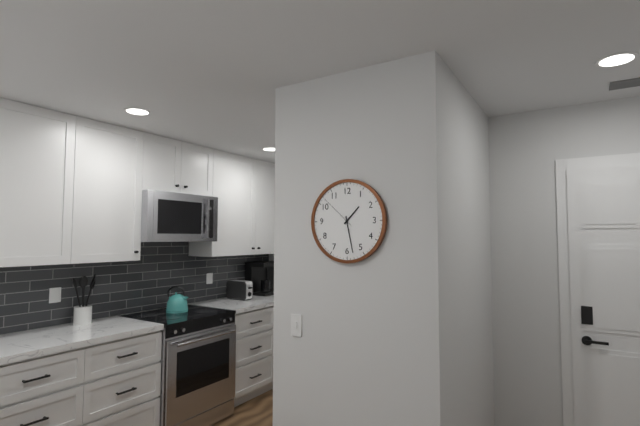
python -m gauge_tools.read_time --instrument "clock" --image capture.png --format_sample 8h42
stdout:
1h28
